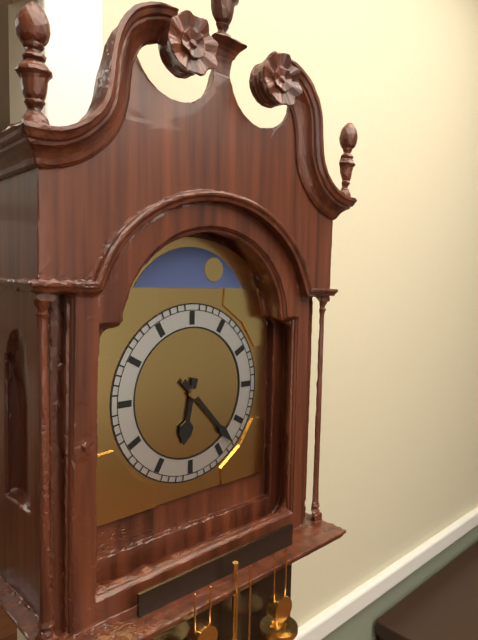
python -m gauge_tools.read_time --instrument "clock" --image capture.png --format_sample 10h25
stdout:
6h23
